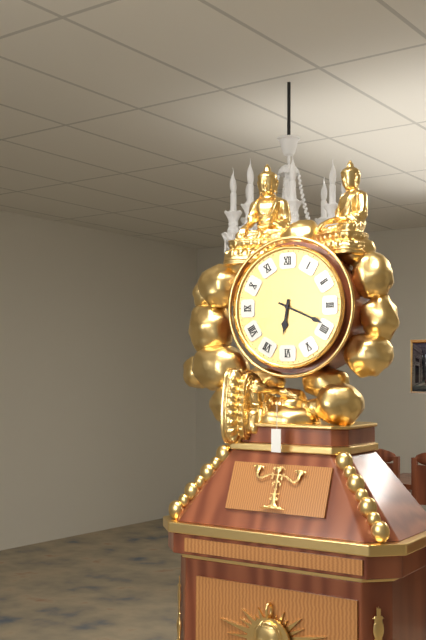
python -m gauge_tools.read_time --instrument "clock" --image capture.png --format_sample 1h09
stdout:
6h19
